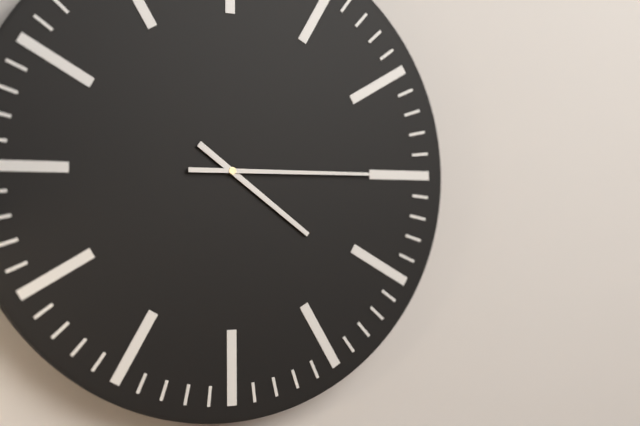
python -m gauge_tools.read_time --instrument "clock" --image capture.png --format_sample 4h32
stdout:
4h15
